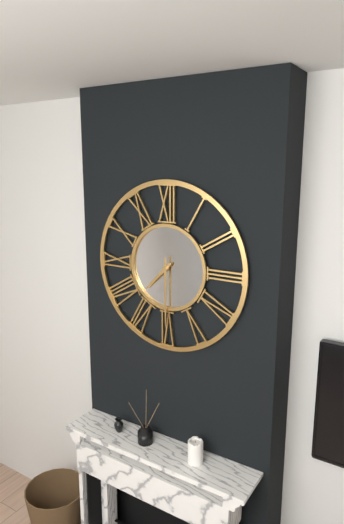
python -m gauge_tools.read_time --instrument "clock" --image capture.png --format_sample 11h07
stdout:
7h30
